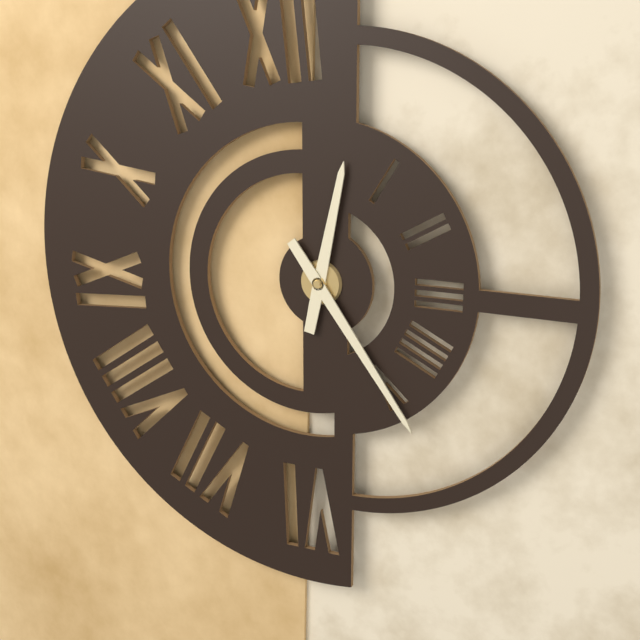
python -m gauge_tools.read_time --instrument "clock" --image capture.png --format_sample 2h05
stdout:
12h24
